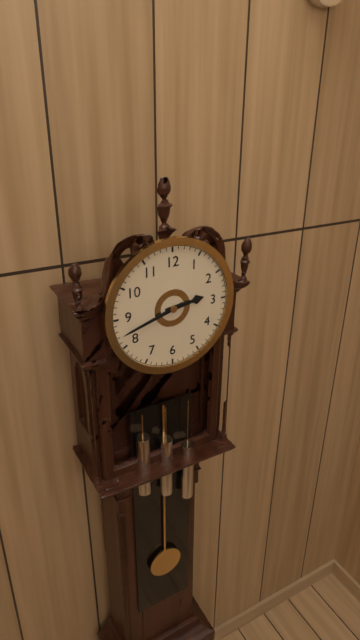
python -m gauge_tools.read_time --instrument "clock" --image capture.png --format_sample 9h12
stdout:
2h42
